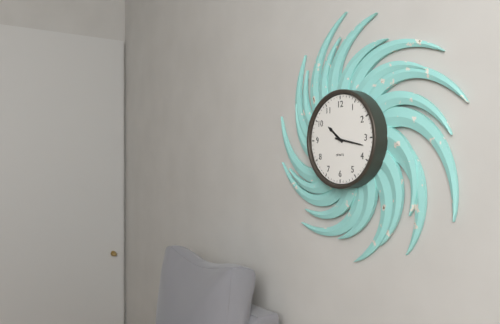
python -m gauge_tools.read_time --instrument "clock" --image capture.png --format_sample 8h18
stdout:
10h17
